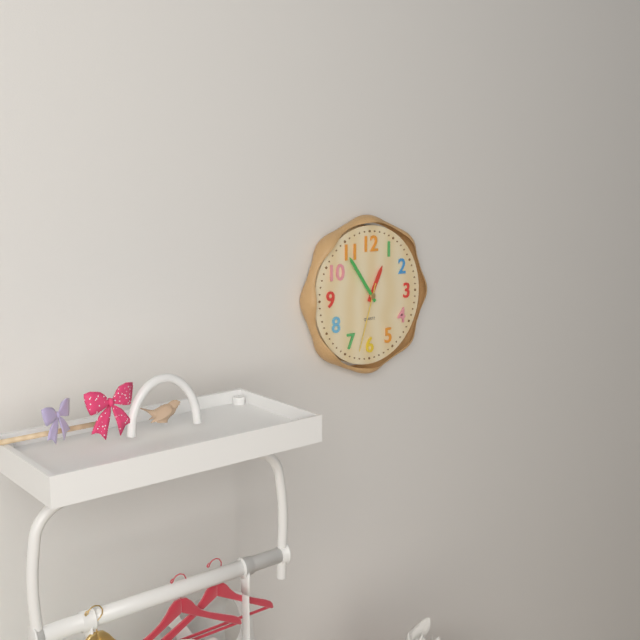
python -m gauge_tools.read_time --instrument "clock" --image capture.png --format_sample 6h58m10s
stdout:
12h54m33s
